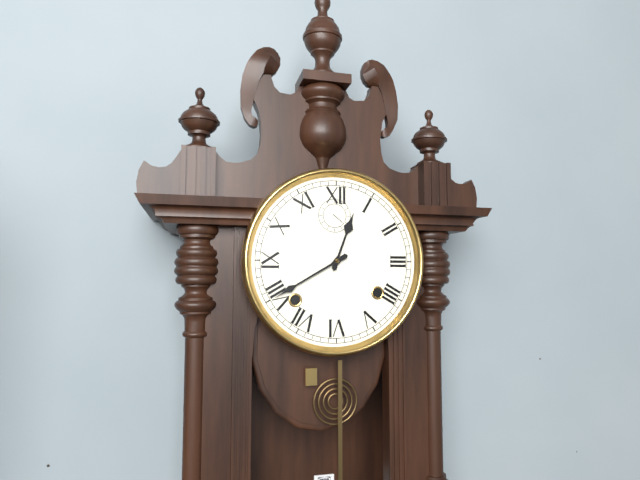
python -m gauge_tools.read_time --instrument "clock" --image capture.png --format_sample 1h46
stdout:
12h40
